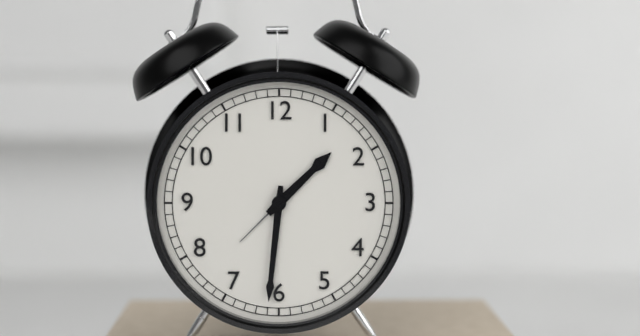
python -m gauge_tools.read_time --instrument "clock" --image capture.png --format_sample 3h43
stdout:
1h31
